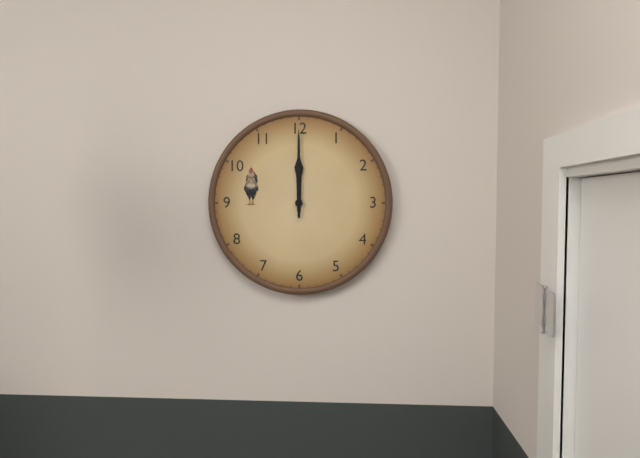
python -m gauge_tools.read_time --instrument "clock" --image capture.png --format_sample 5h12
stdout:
12h00
